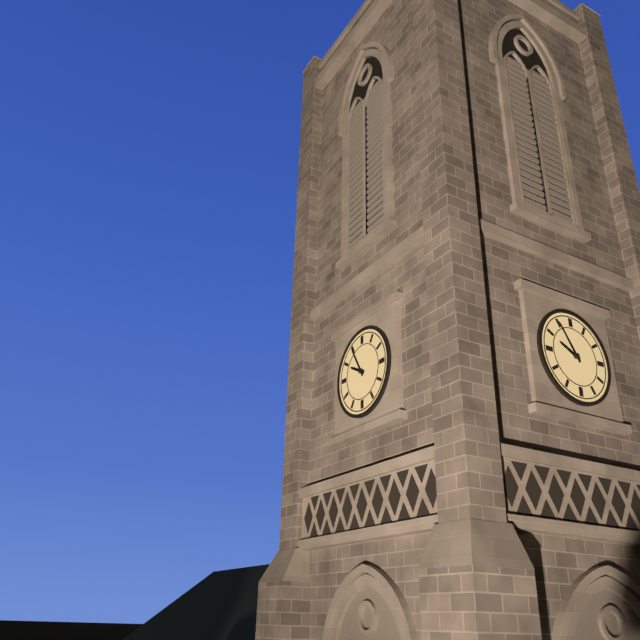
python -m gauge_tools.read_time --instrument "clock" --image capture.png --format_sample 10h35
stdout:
9h55
